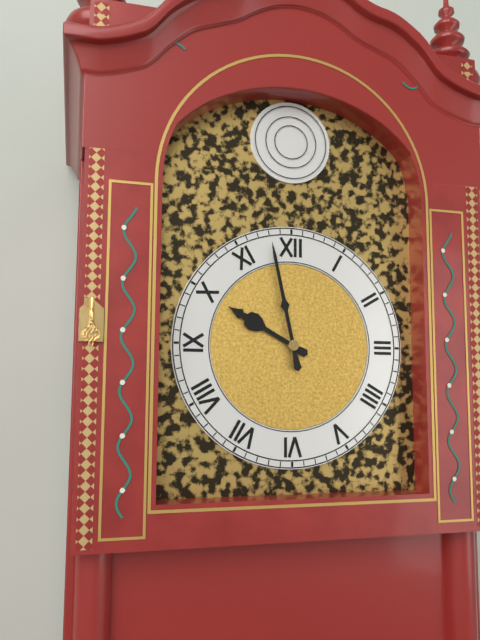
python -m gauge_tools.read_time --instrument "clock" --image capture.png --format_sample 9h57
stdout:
9h58
